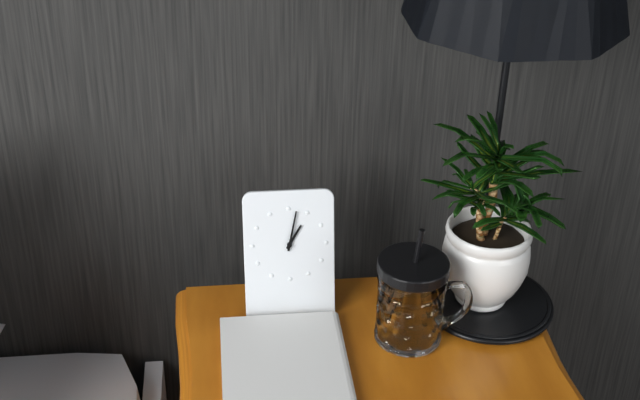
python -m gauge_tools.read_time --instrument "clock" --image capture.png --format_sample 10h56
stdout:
1h02
